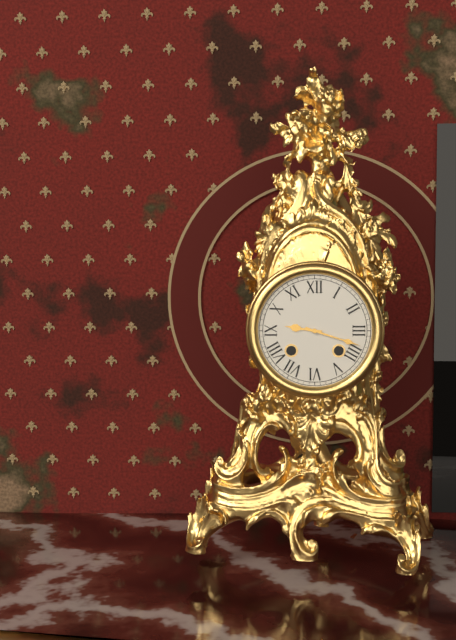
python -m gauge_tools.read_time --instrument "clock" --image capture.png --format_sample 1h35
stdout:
9h18
